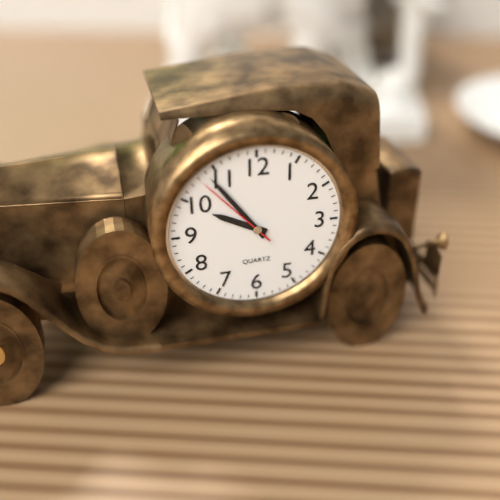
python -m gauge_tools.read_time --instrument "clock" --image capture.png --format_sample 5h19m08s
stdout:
9h54m53s
